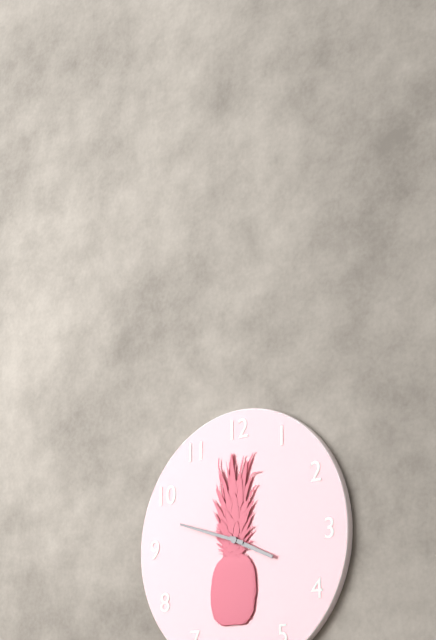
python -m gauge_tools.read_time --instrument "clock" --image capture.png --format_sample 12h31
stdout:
3h48
